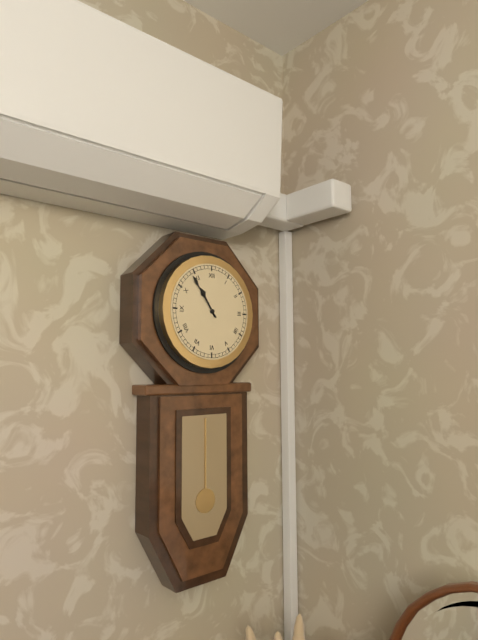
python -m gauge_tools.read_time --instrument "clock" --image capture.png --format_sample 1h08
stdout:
10h54
